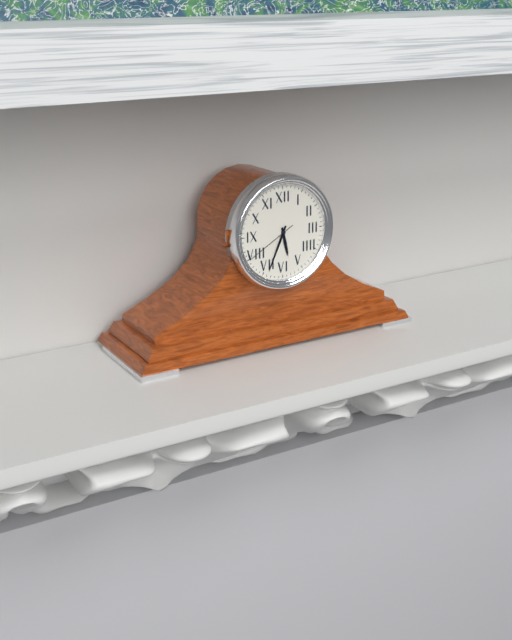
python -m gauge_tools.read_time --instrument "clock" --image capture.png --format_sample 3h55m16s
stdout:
5h34m40s
